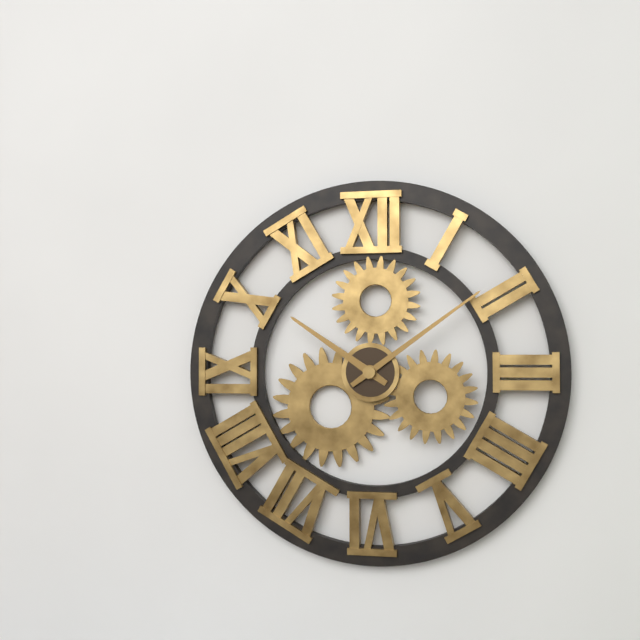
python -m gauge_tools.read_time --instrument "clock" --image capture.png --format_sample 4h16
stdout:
10h09
